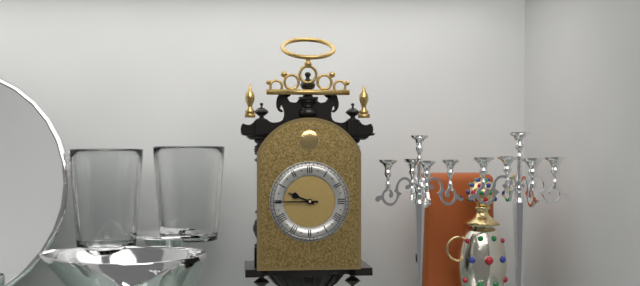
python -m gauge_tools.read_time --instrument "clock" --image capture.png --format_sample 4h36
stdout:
9h45
